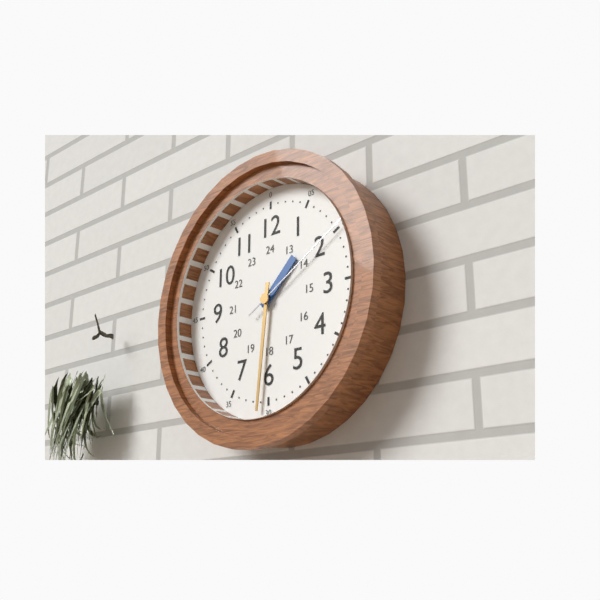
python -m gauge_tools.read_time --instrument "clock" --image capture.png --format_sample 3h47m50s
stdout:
1h31m10s
